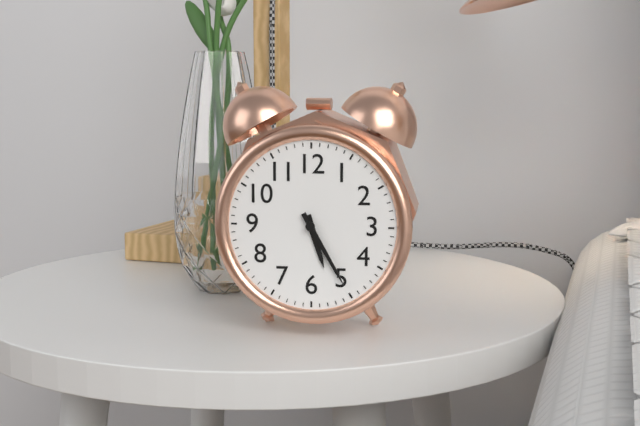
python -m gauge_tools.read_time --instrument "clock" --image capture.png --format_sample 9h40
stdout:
5h25
